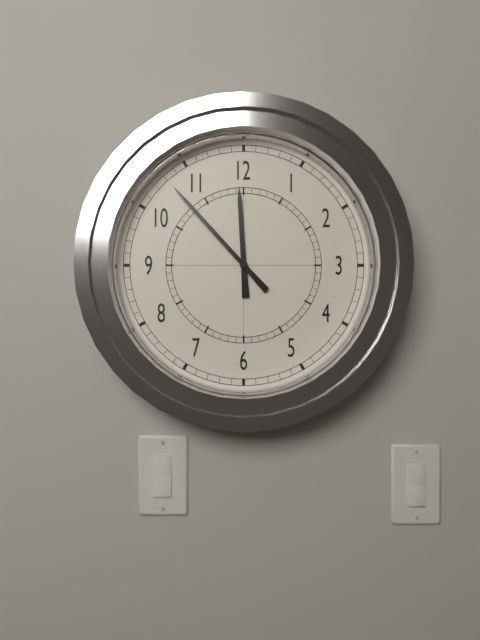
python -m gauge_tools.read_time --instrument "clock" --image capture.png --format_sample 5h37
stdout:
11h53
